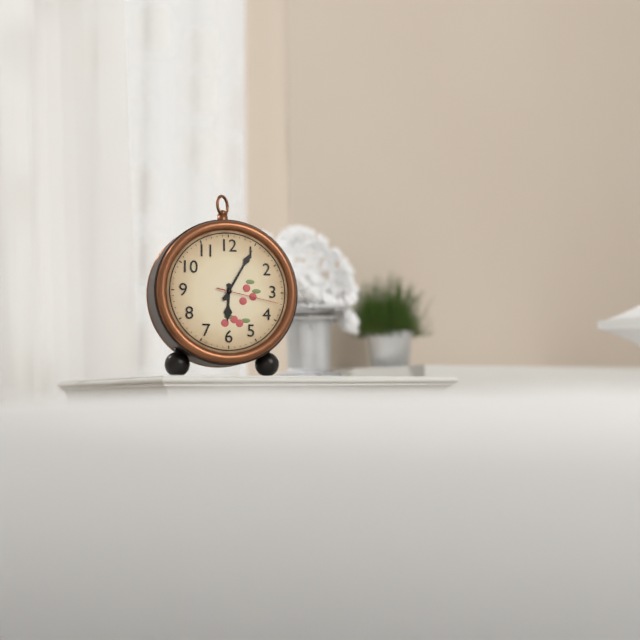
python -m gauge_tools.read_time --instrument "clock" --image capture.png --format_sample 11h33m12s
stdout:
6h05m17s
